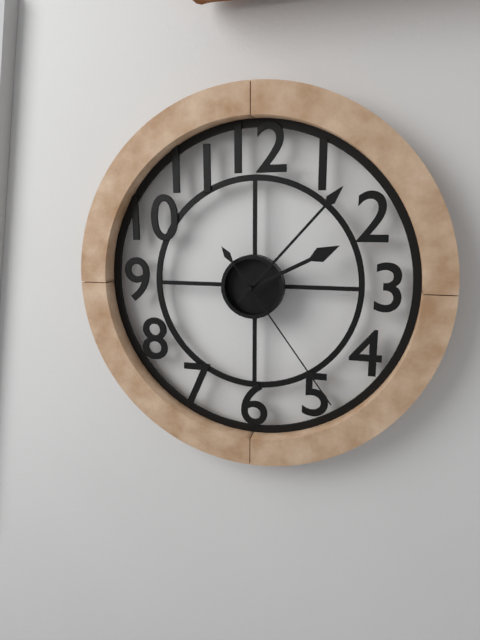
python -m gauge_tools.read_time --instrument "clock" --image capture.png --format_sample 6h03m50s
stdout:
2h07m24s
